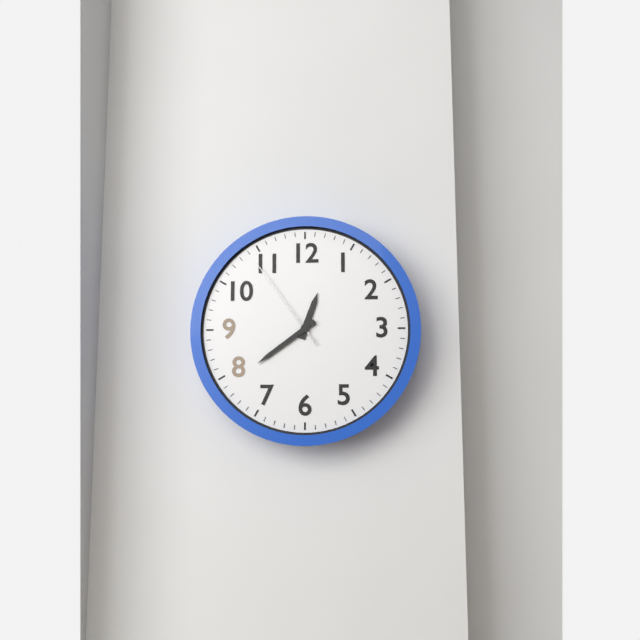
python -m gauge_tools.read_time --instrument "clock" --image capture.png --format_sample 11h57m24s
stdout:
12h39m54s
